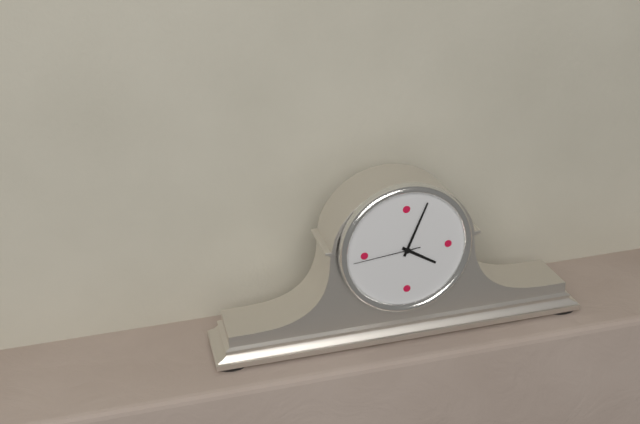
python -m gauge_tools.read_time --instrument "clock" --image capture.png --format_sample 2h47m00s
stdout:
4h04m44s
